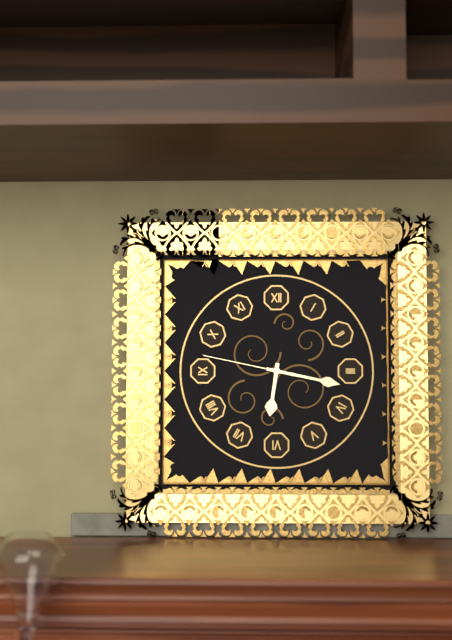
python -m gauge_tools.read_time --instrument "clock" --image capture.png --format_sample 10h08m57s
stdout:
6h17m47s
